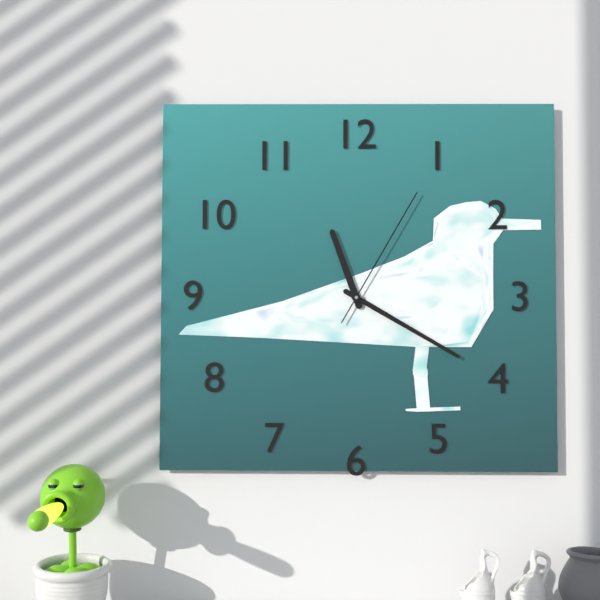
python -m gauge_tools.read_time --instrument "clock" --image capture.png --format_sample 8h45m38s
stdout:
11h20m05s
